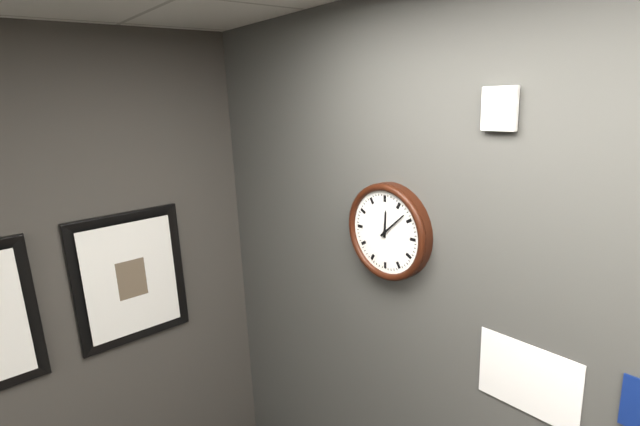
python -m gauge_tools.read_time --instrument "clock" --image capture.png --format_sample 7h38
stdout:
12h08
